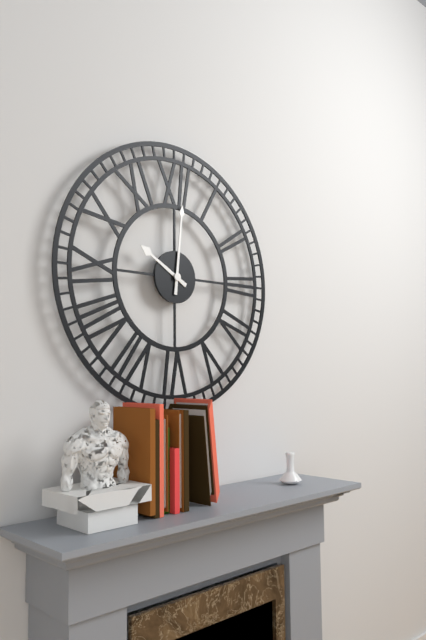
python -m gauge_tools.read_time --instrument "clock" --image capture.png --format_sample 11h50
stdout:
10h01
